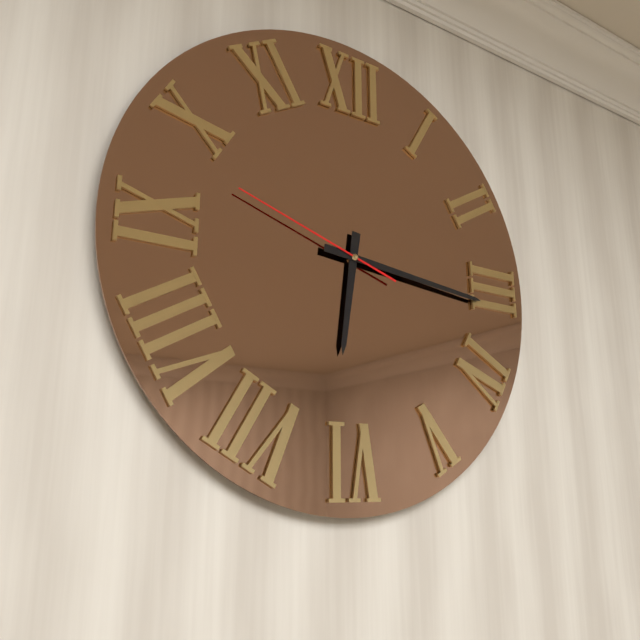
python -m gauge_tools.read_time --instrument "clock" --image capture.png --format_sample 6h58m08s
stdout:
6h16m48s
